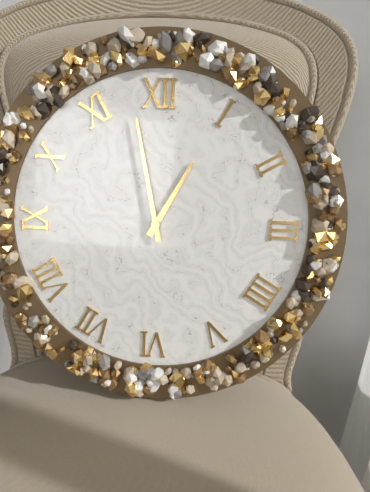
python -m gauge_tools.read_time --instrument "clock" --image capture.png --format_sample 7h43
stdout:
12h58
